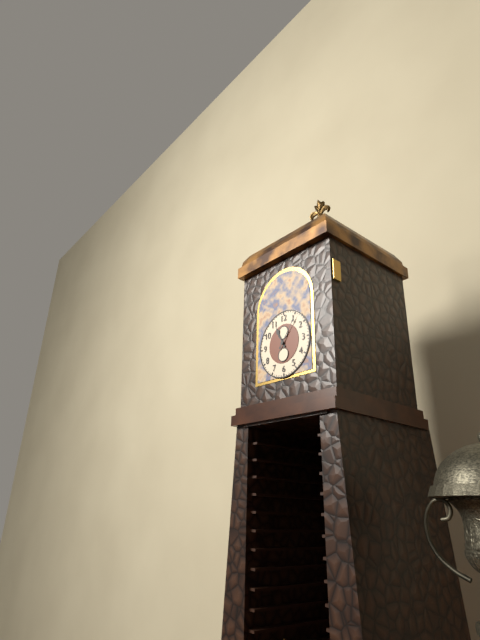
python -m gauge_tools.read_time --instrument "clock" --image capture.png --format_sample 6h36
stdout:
11h06
